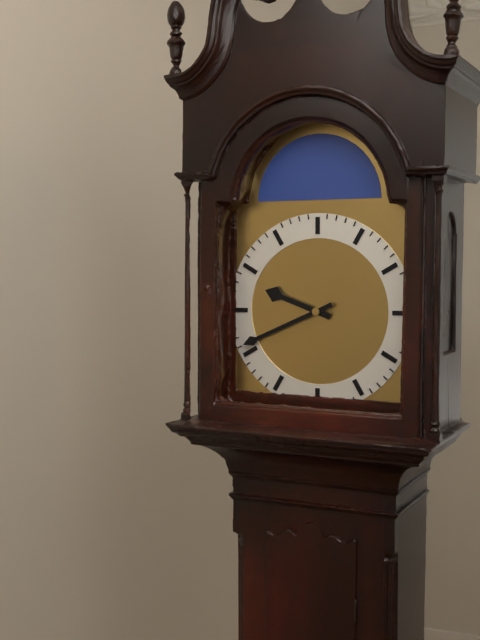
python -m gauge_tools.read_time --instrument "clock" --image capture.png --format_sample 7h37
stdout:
9h41
